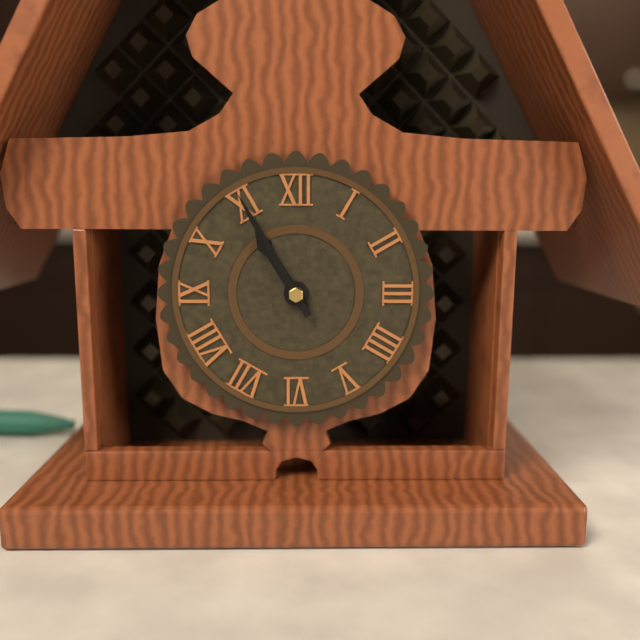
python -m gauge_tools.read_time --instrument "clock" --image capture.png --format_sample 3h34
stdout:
10h55
